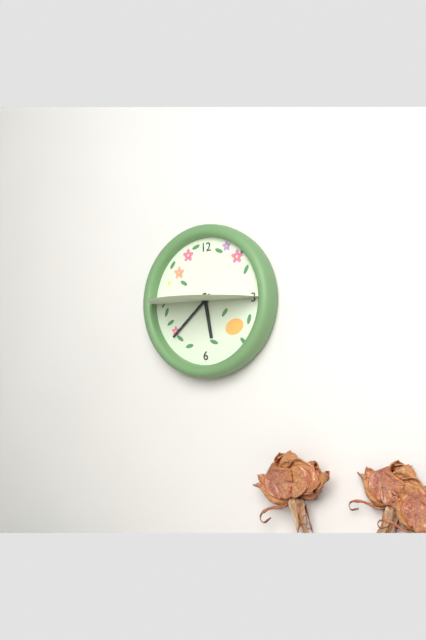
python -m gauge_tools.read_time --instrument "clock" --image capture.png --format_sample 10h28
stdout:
5h38
